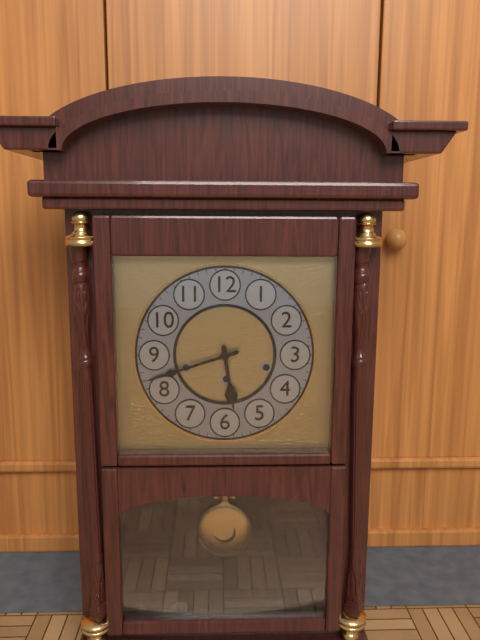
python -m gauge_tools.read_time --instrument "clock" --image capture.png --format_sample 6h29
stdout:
5h42
